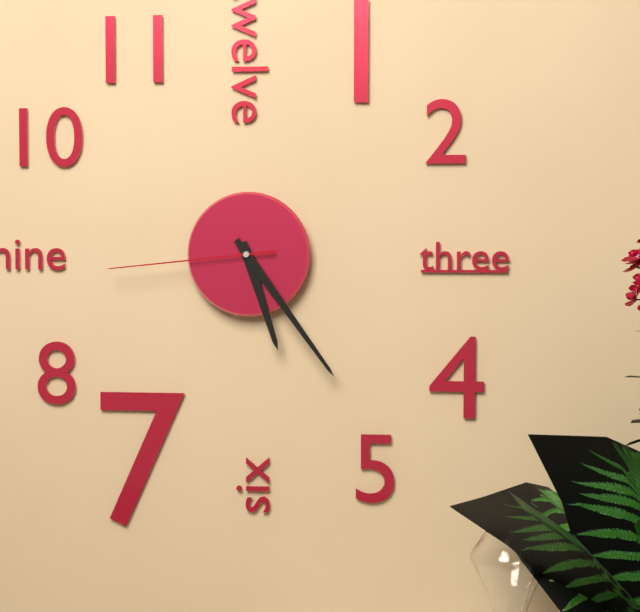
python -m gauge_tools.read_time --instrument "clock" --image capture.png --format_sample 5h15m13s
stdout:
5h24m44s
